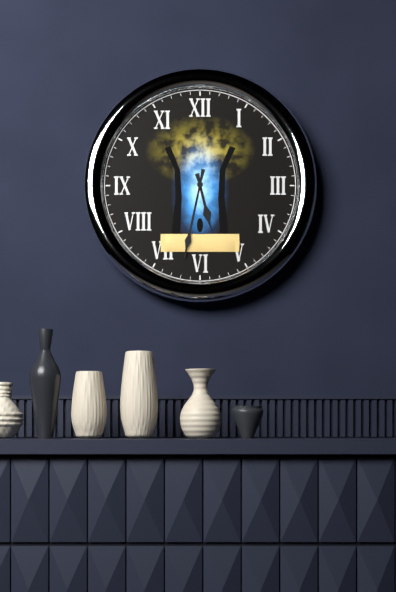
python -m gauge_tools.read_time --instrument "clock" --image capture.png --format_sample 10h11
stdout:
5h32
